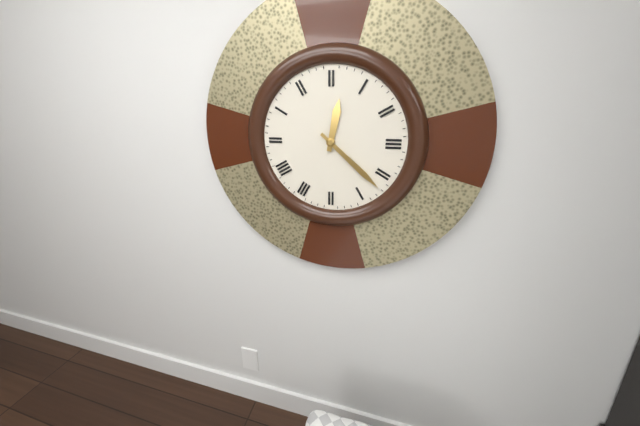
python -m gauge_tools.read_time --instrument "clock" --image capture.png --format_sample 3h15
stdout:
12h22
